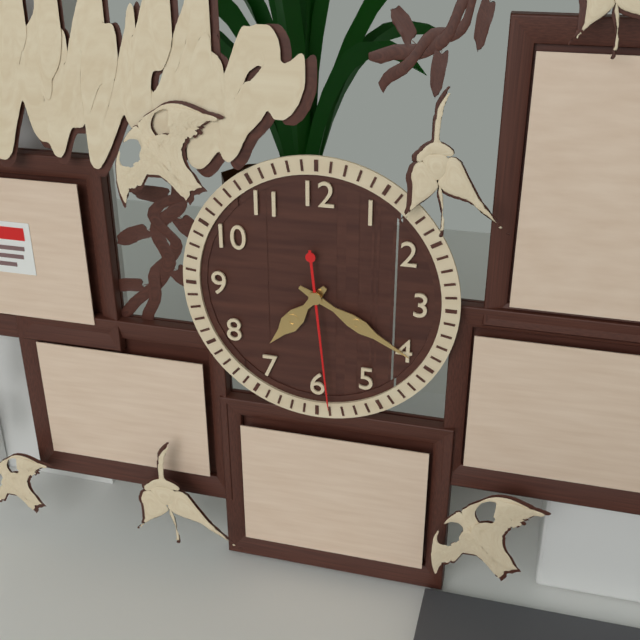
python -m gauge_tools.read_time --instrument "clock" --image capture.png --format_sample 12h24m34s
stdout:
7h20m29s
